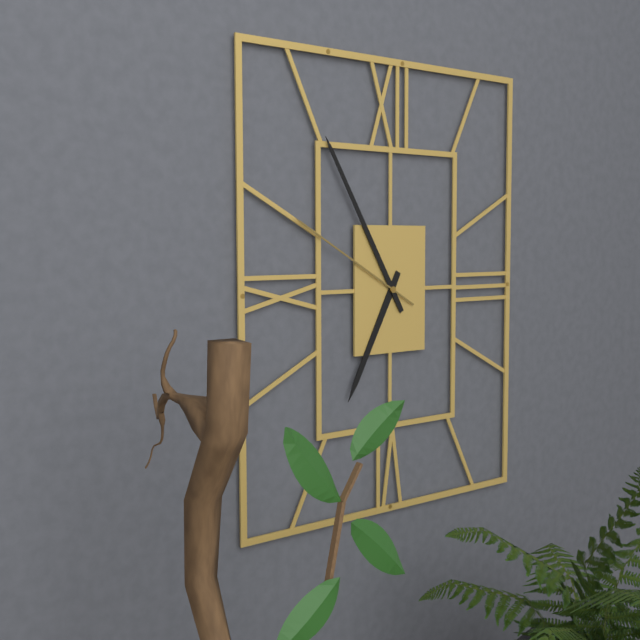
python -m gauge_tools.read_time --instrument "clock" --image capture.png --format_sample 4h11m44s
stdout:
6h55m50s
